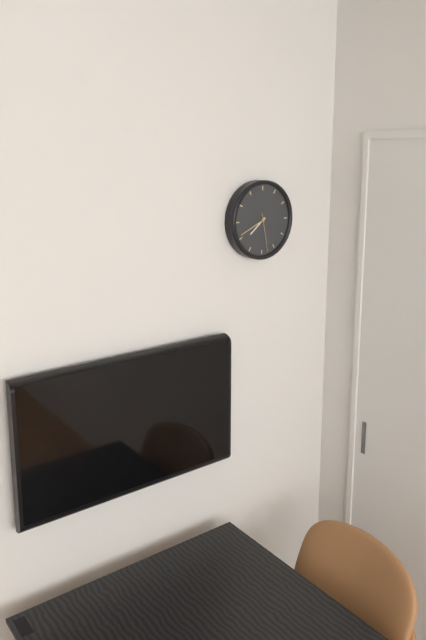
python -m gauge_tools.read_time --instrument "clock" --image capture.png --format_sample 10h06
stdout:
7h41
